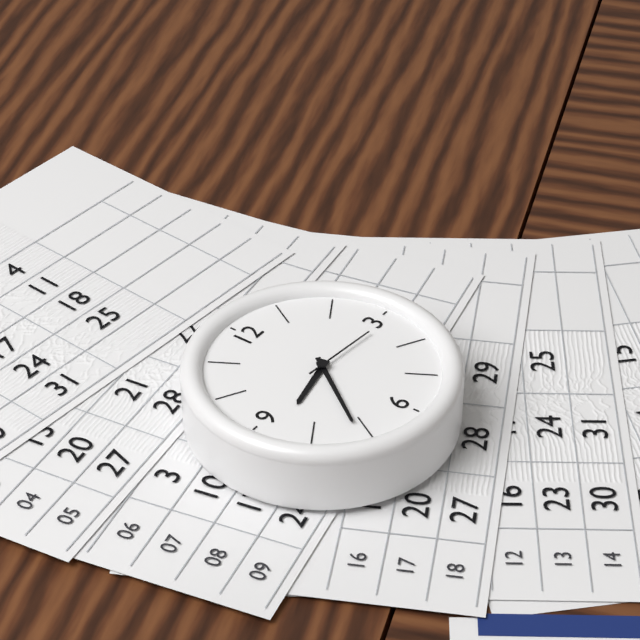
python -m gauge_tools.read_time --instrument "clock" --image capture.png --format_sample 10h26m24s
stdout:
8h36m16s
